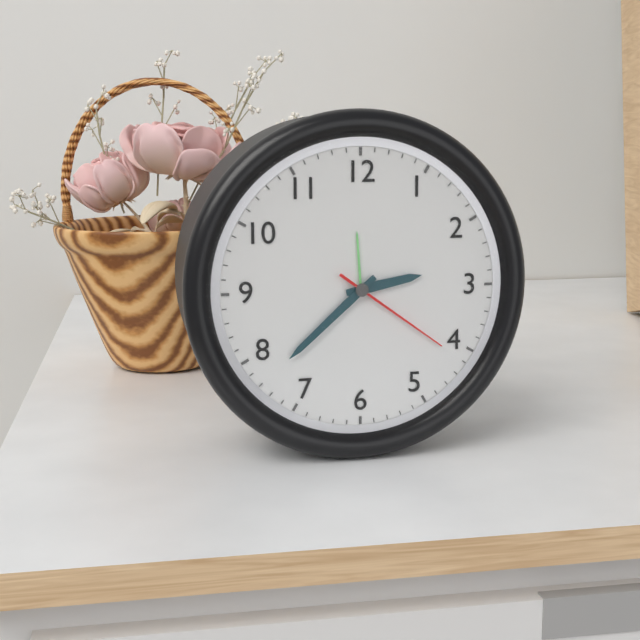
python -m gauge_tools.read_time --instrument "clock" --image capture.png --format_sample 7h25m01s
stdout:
2h38m21s
